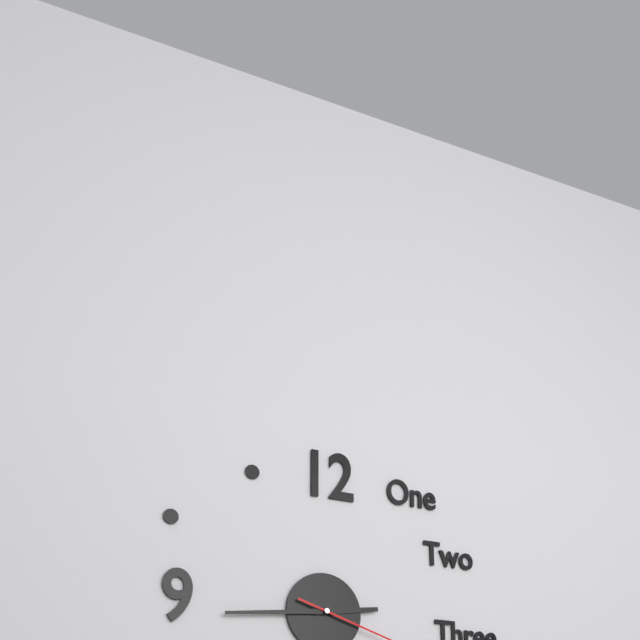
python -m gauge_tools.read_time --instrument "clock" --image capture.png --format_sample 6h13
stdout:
2h44
